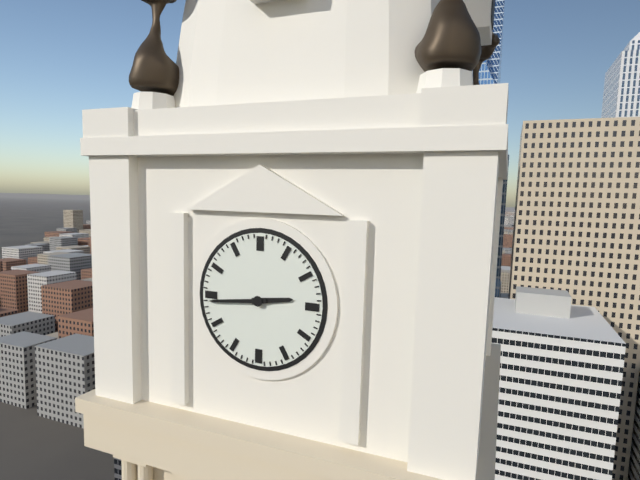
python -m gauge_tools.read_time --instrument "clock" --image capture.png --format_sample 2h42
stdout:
2h44
